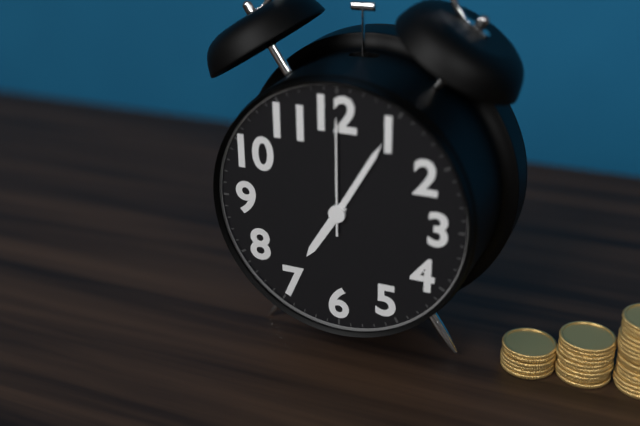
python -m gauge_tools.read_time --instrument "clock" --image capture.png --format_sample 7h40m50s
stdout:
7h05m00s
